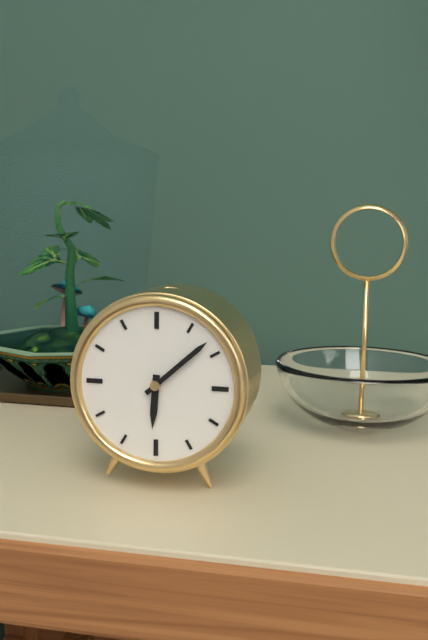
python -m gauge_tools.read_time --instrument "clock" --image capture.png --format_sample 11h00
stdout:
6h08
